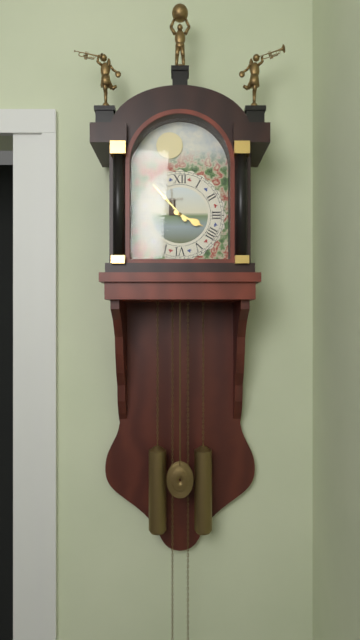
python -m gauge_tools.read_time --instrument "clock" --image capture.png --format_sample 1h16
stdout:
3h53
